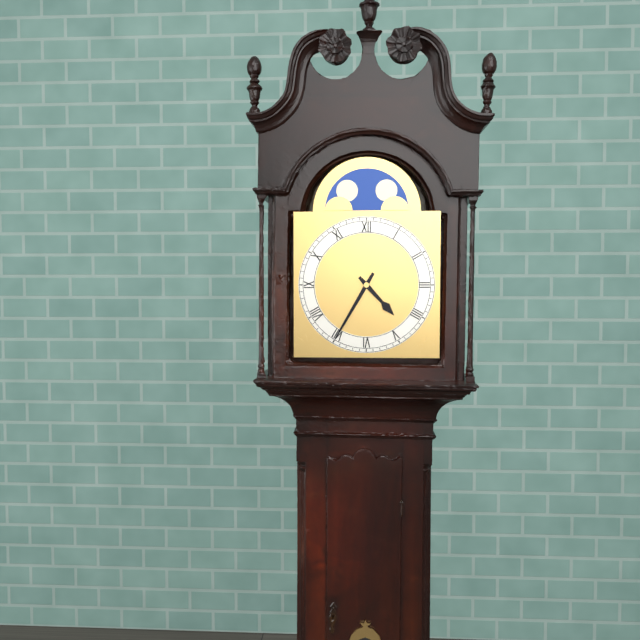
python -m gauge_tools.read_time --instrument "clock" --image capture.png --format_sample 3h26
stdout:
4h35
